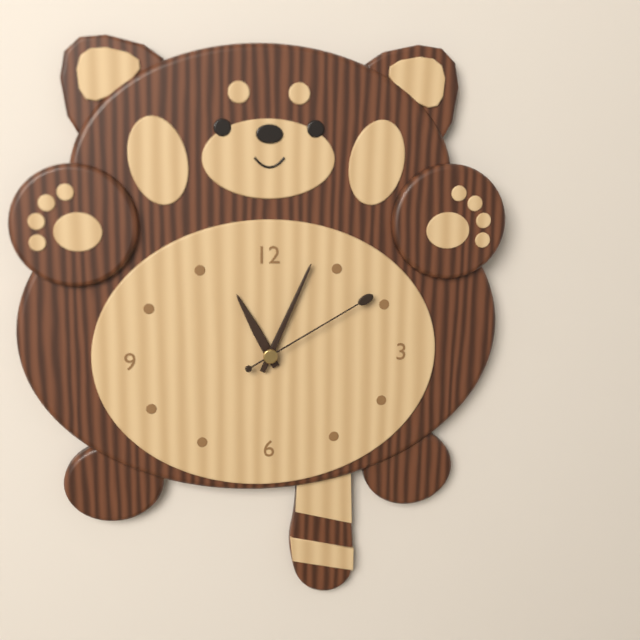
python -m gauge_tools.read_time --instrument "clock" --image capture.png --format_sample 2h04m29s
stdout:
11h04m10s
